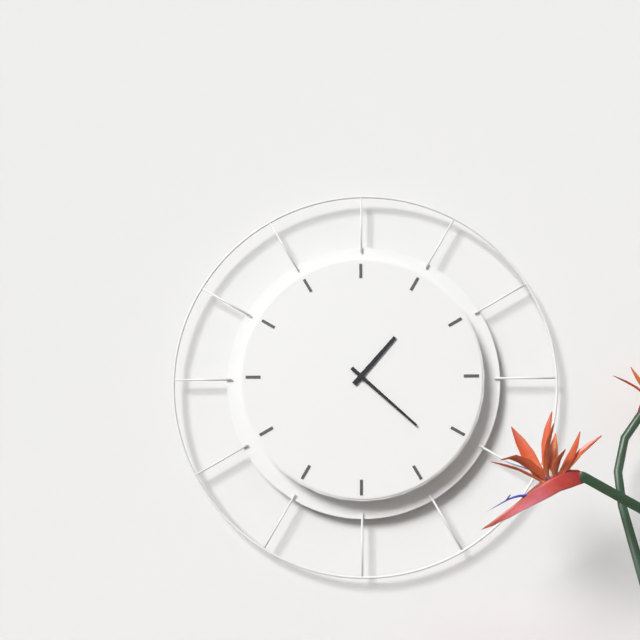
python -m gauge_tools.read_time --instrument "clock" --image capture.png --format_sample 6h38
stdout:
1h22
